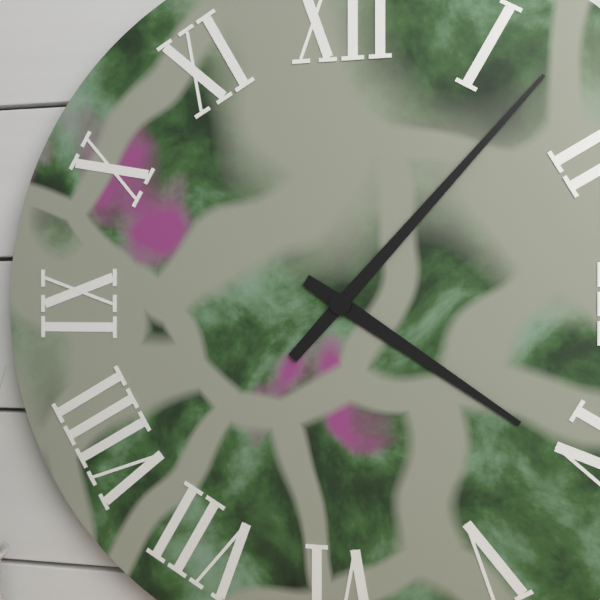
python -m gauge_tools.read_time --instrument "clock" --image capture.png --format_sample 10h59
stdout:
4h07
